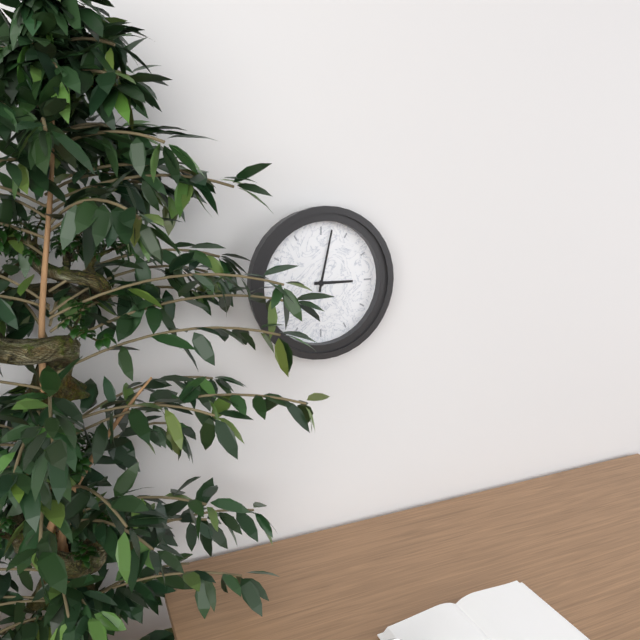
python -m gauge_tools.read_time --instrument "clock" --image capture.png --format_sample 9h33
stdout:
3h02
